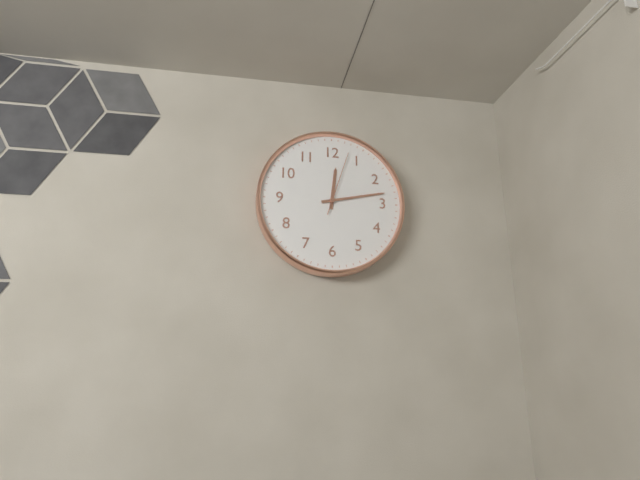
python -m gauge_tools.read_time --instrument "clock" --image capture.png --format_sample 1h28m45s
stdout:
12h13m03s
